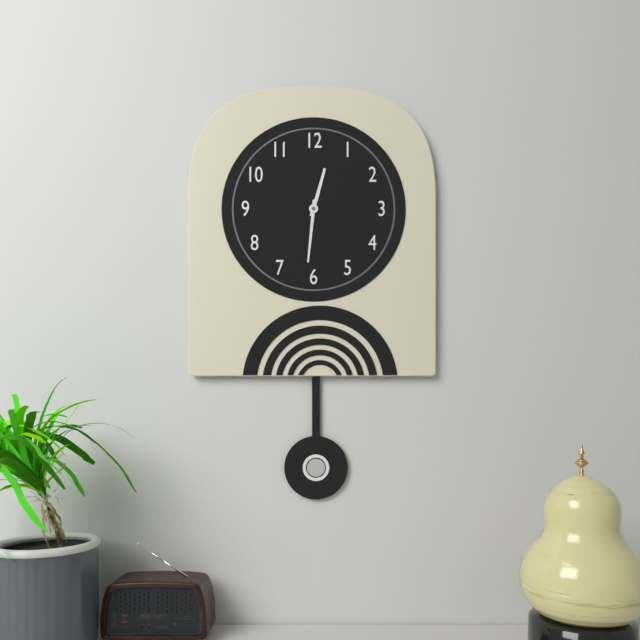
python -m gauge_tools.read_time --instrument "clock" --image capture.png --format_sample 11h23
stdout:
12h31
